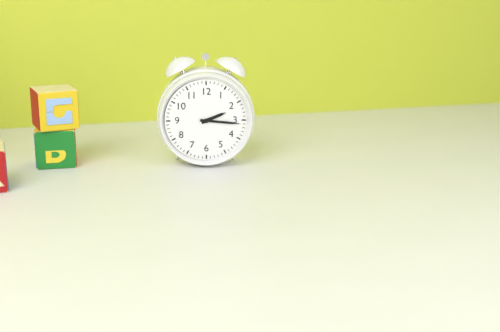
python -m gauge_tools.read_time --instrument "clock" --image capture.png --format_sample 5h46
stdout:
2h16
